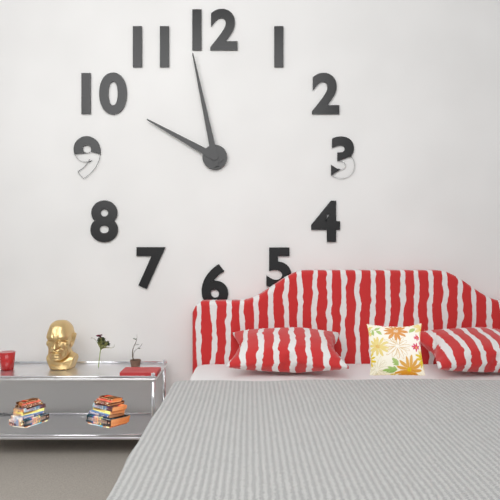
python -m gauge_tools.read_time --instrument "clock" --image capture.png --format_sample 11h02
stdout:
9h58
